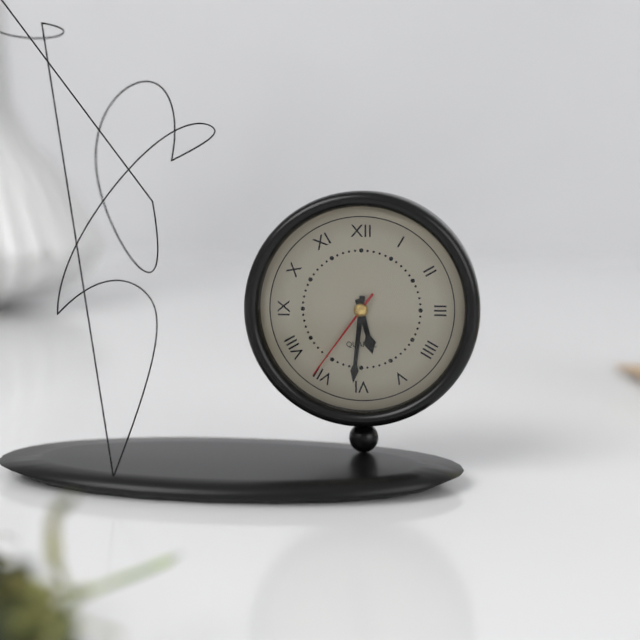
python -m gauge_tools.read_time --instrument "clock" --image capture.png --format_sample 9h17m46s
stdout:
5h31m36s
